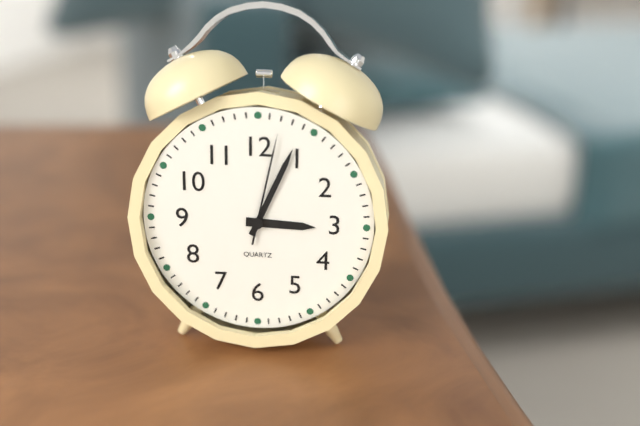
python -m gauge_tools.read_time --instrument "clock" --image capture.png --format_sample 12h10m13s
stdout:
3h04m02s
